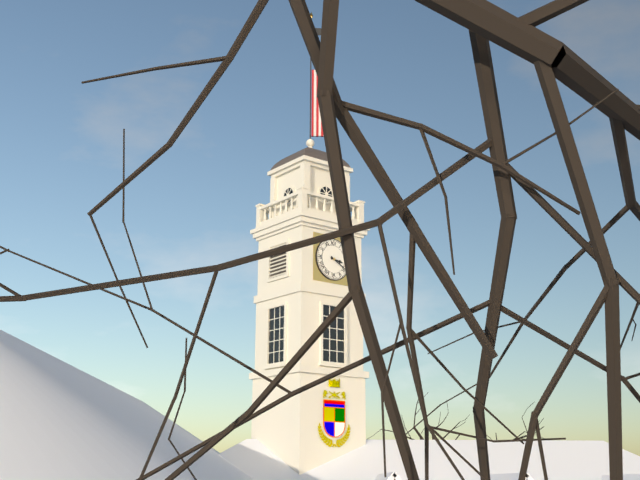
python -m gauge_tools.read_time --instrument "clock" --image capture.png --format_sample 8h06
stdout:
3h20
